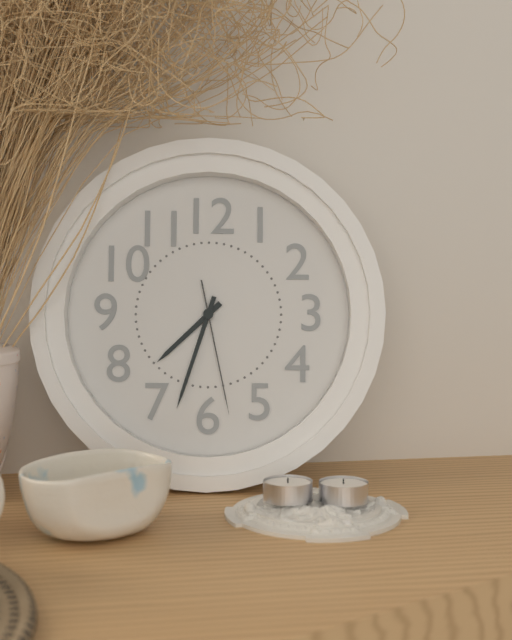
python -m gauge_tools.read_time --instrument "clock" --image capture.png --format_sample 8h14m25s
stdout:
7h33m28s
